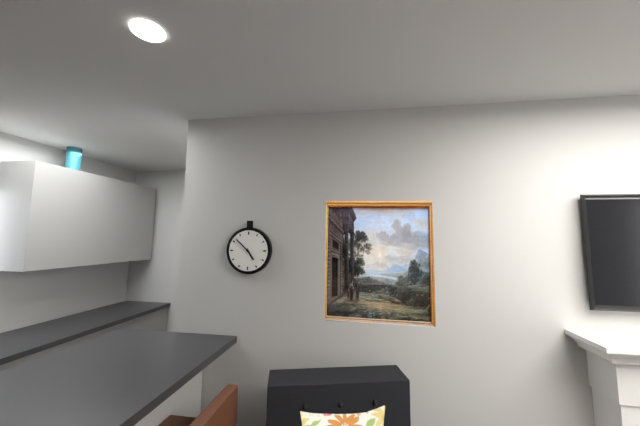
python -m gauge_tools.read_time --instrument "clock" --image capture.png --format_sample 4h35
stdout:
4h52
